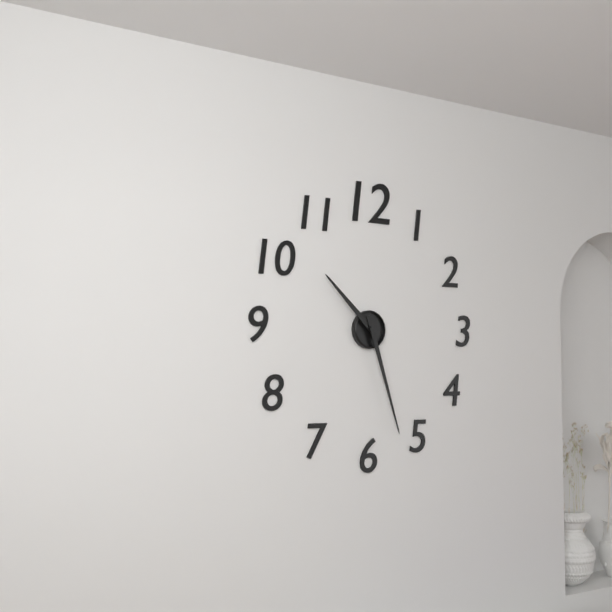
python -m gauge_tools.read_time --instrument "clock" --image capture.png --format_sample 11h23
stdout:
10h27
